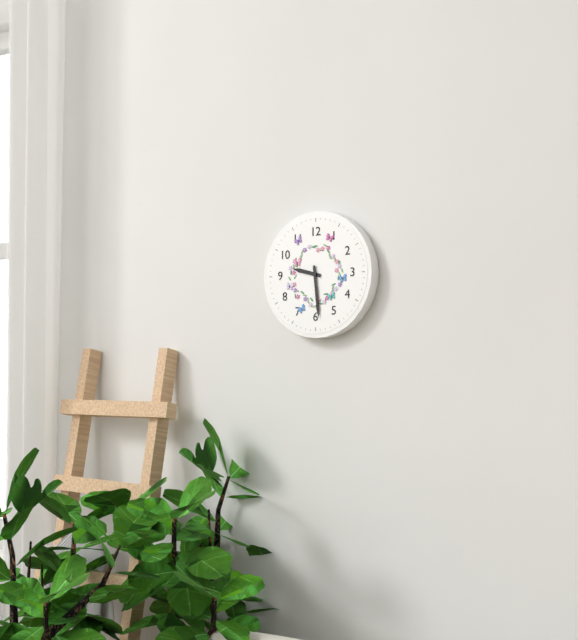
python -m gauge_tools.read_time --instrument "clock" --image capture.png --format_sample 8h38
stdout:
9h29
